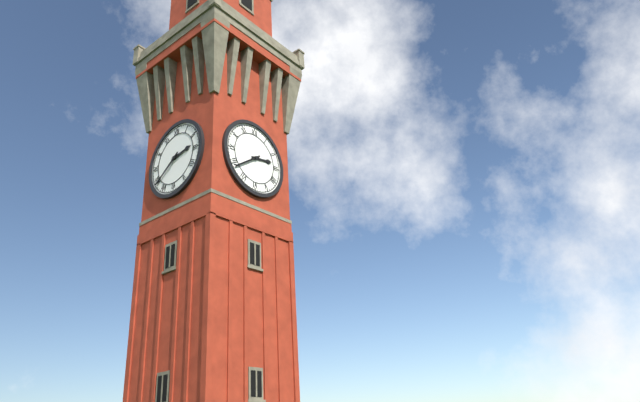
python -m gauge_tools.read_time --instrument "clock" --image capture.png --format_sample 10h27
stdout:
2h39
